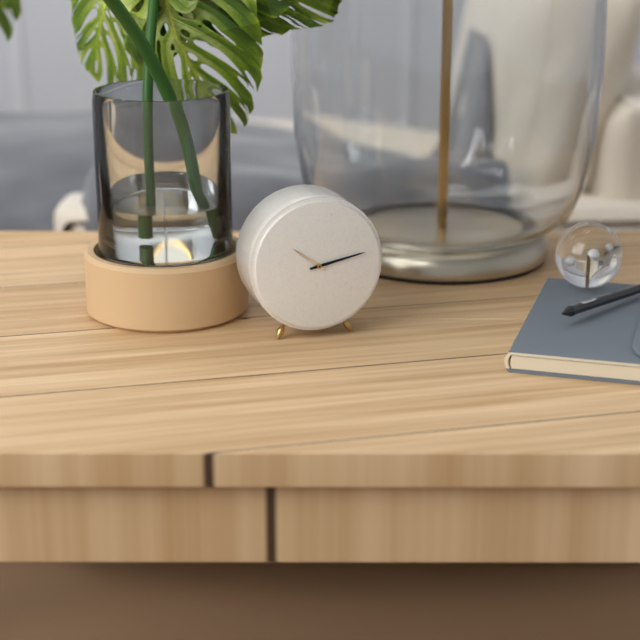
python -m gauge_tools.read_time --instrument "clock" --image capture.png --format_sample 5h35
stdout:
10h13
